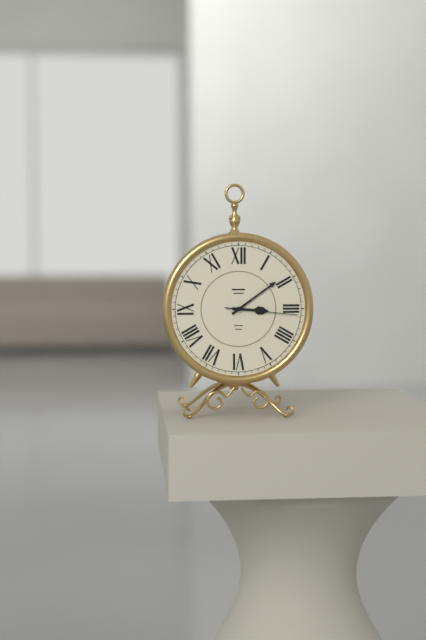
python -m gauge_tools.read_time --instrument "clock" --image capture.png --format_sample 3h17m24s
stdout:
3h09m16s
